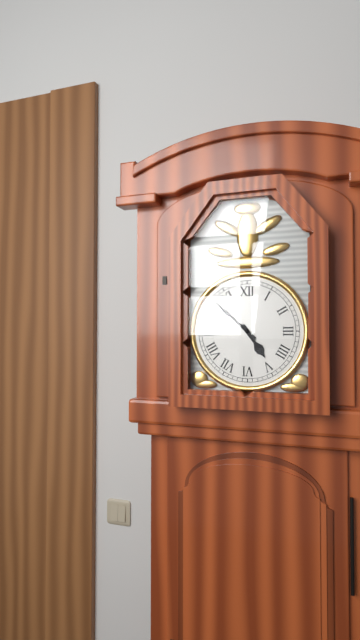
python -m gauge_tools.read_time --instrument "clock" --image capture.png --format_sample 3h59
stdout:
4h52
